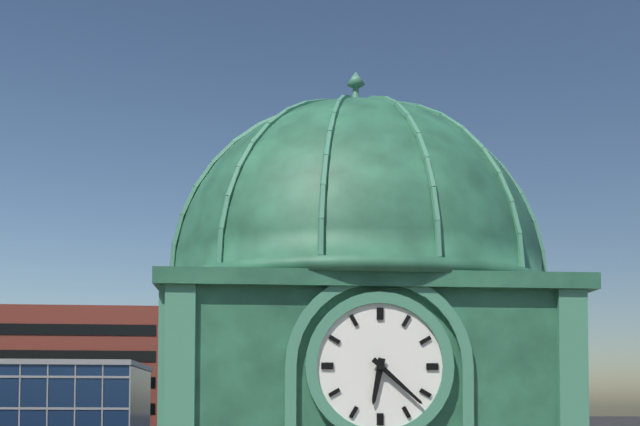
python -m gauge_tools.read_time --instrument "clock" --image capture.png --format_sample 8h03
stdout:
6h22
